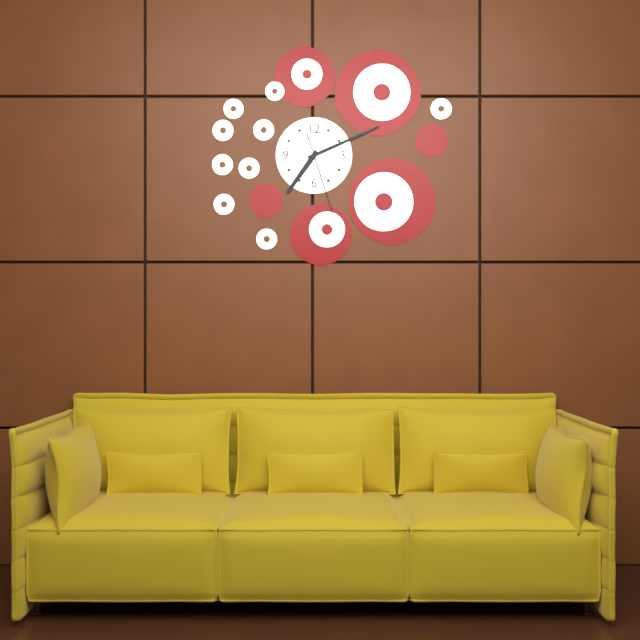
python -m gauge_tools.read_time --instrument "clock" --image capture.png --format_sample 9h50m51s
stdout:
7h11m27s
